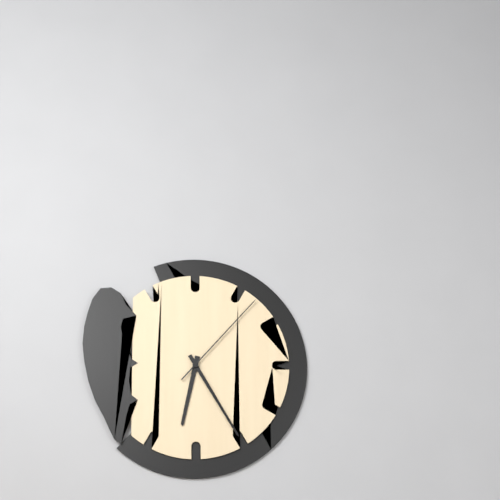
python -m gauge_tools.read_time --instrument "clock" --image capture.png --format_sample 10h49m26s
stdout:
6h25m07s
